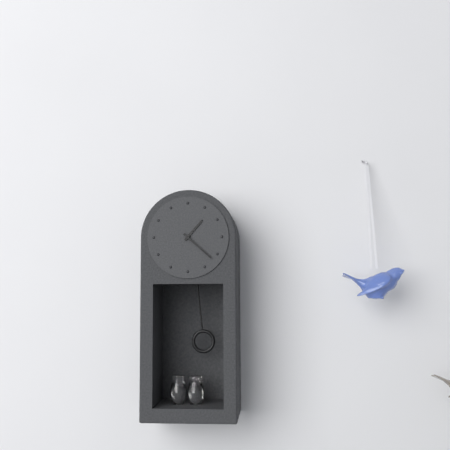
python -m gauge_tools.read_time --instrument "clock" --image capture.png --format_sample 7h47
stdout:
1h22
